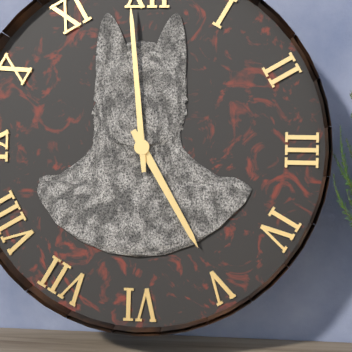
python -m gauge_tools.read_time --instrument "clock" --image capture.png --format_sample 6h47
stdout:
4h59
